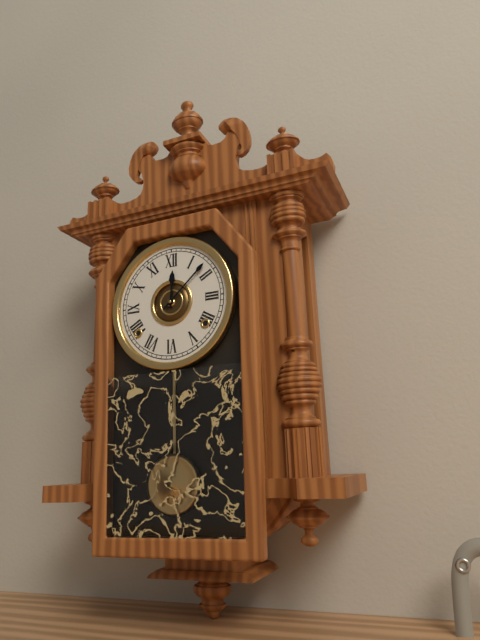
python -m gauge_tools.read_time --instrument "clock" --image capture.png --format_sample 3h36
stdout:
12h08
